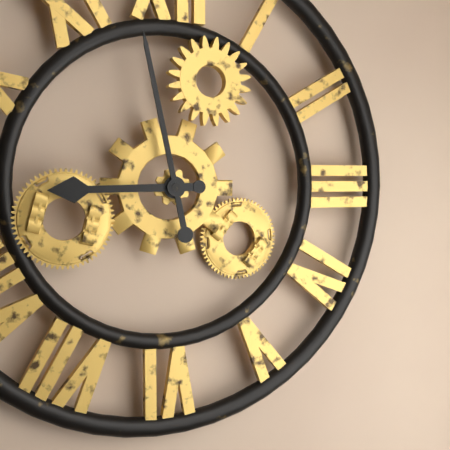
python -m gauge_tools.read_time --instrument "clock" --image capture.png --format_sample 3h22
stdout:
8h58
